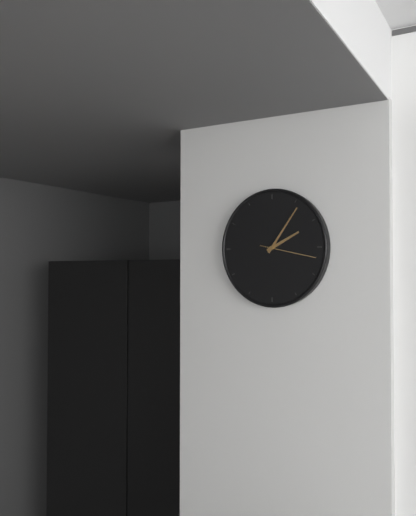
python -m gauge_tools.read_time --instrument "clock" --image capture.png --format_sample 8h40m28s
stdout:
2h06m17s
